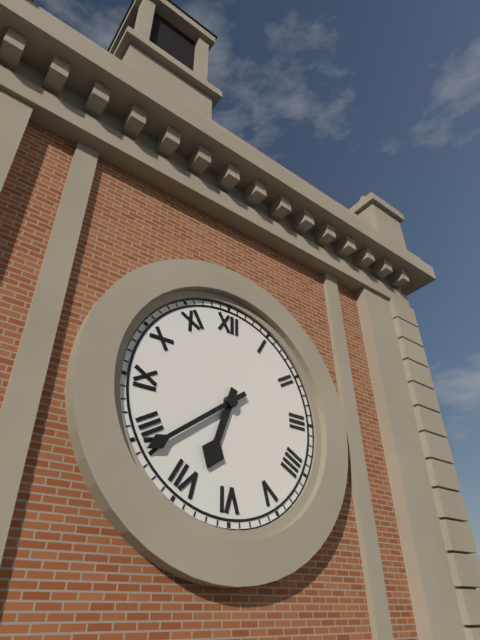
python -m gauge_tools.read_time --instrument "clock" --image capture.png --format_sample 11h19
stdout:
6h39
